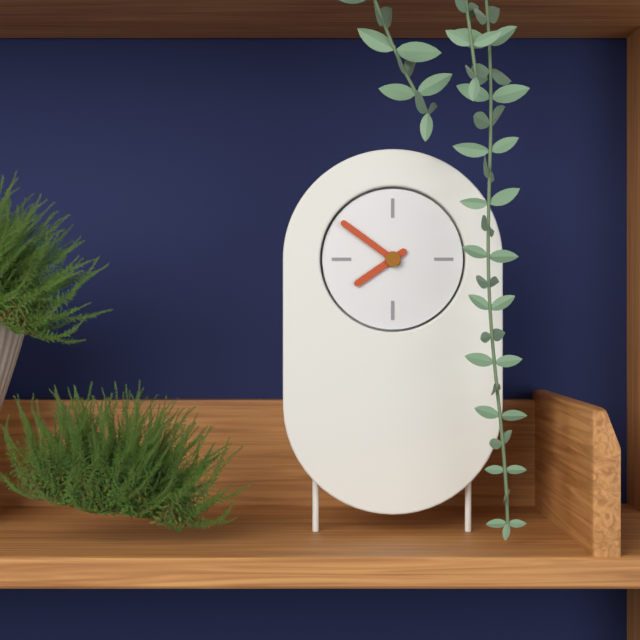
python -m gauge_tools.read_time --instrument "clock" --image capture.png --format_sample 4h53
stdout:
7h51
